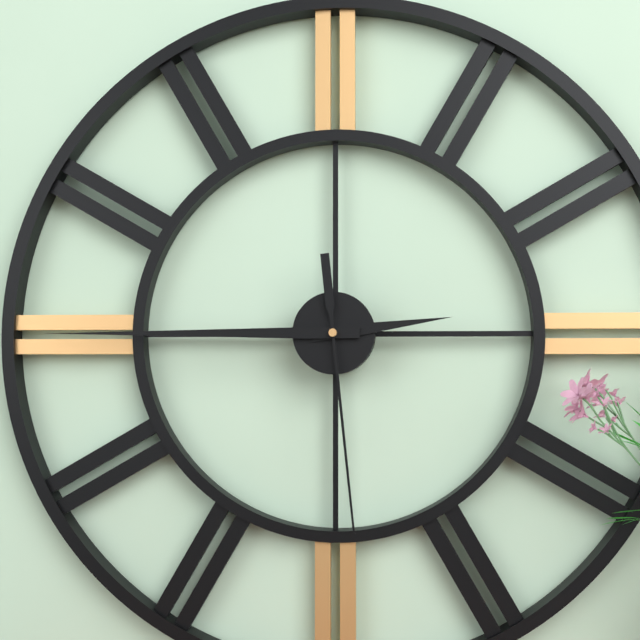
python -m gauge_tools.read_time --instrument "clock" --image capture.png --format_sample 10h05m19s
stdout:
2h45m29s
